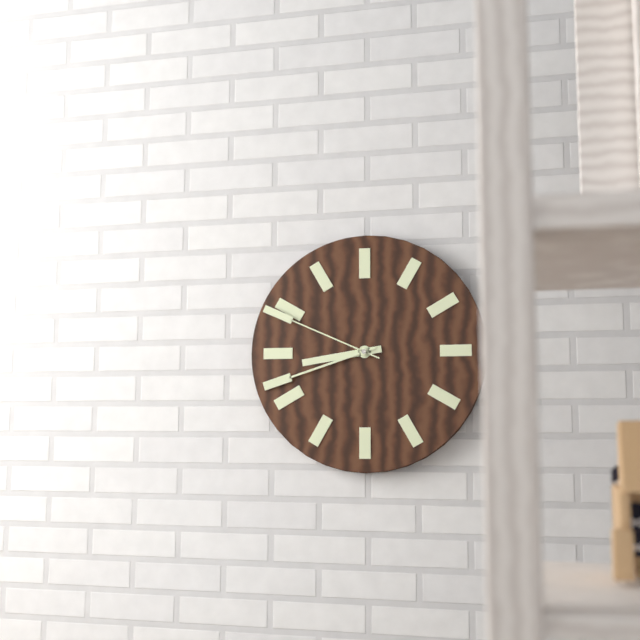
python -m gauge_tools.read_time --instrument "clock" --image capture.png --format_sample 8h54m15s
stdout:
8h42m49s
